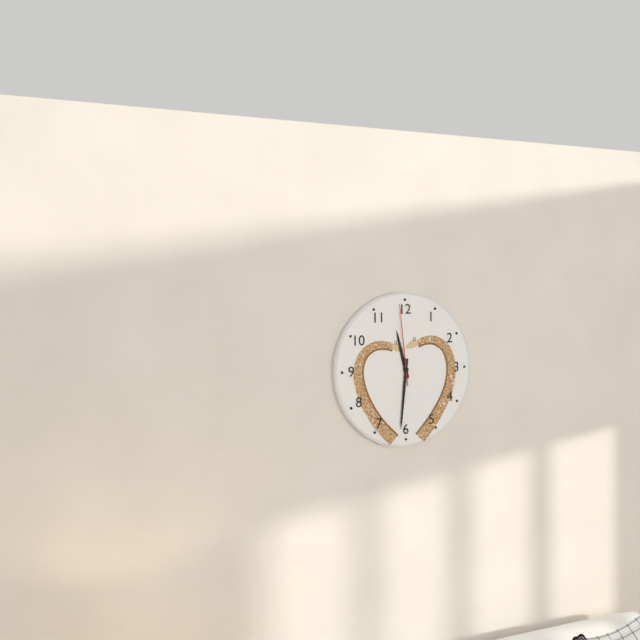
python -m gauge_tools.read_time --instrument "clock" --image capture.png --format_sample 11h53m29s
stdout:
11h31m59s
